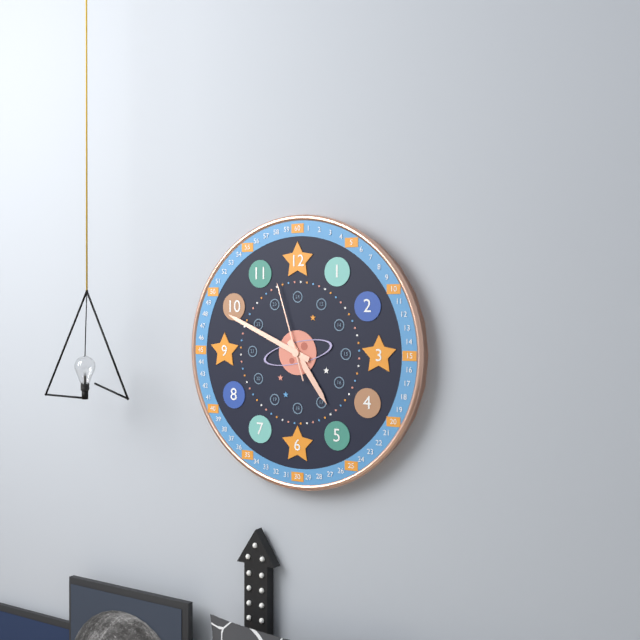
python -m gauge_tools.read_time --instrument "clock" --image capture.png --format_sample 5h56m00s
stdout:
4h49m57s
